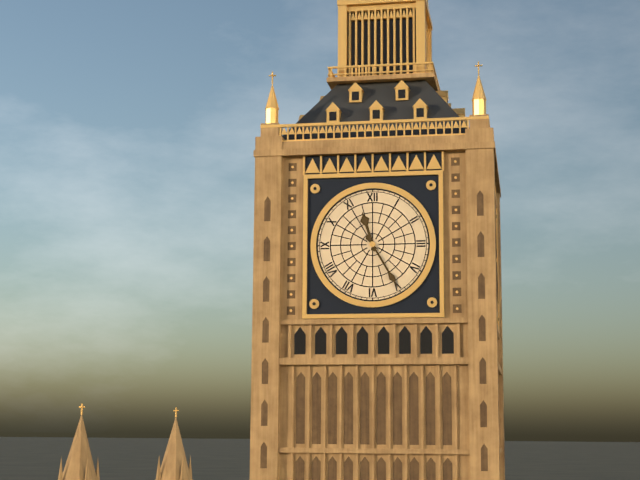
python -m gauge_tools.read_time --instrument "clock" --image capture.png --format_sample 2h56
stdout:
11h25
